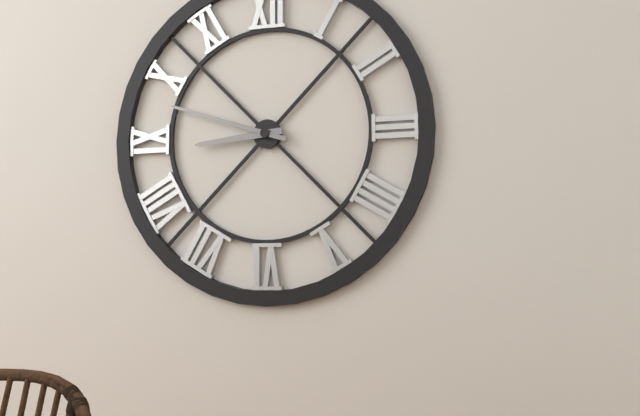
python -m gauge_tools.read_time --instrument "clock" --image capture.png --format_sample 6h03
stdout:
8h48
